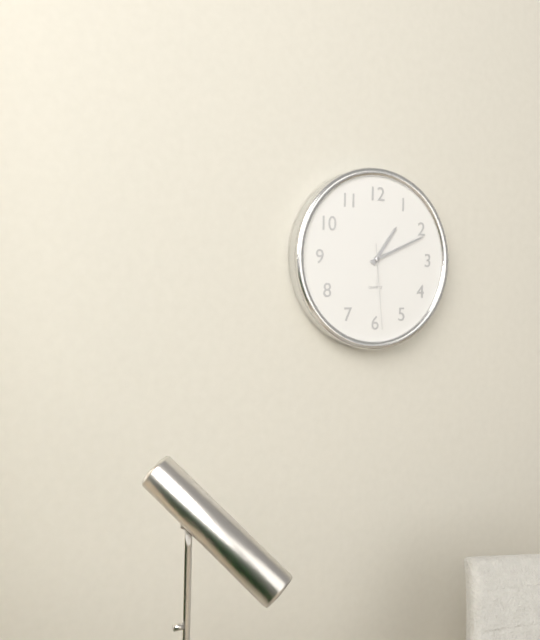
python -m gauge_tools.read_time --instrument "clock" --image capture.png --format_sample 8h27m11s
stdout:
1h11m29s
